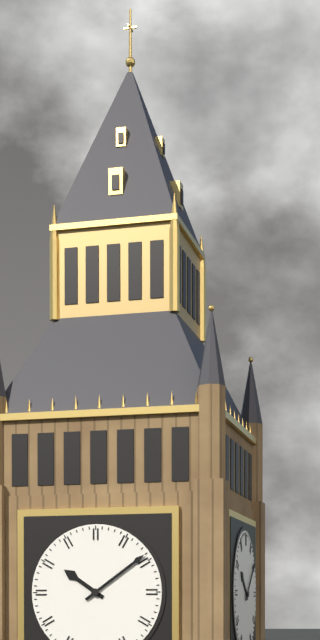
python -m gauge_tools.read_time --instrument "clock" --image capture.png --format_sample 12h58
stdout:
10h09
